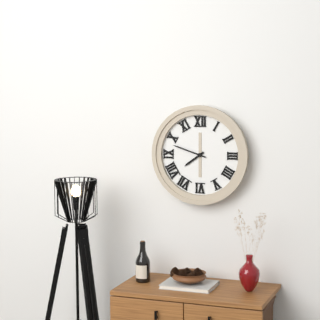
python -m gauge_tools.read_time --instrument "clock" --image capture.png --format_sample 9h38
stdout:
7h48
